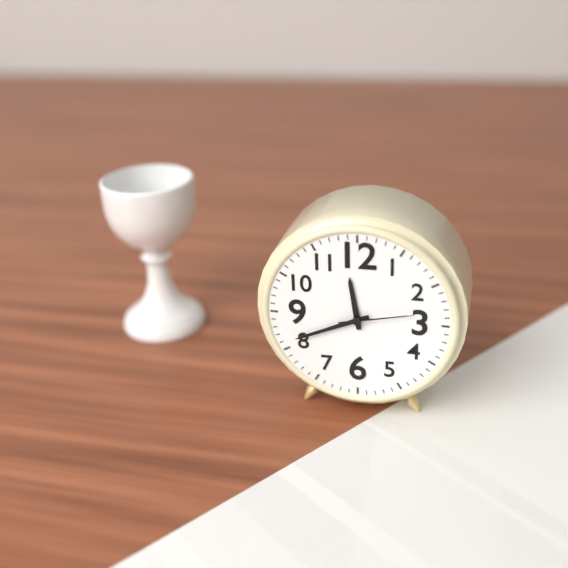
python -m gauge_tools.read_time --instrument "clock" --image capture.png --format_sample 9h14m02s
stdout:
11h41m13s
